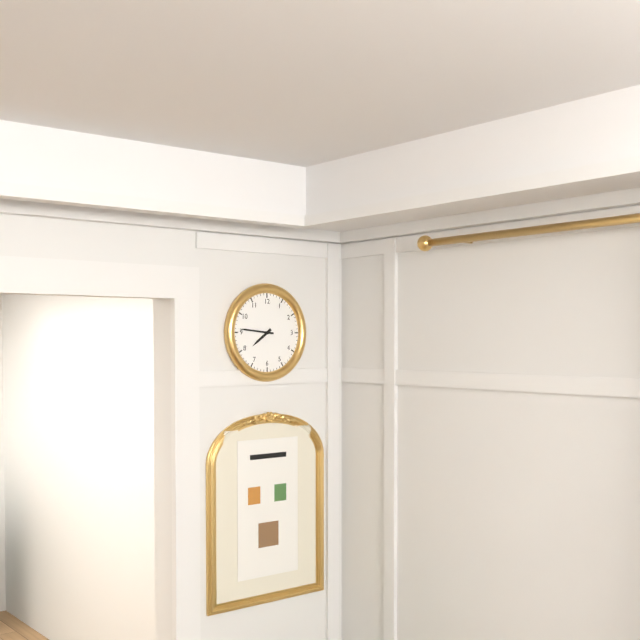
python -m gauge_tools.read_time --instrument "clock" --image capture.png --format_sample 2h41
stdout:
7h46
